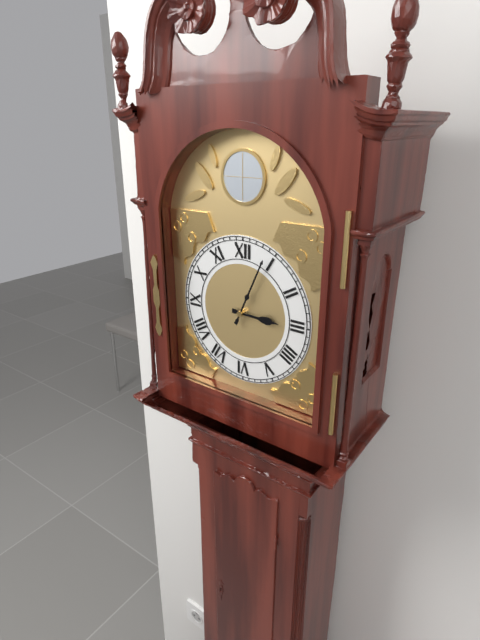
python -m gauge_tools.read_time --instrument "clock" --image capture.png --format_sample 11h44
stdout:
3h04
